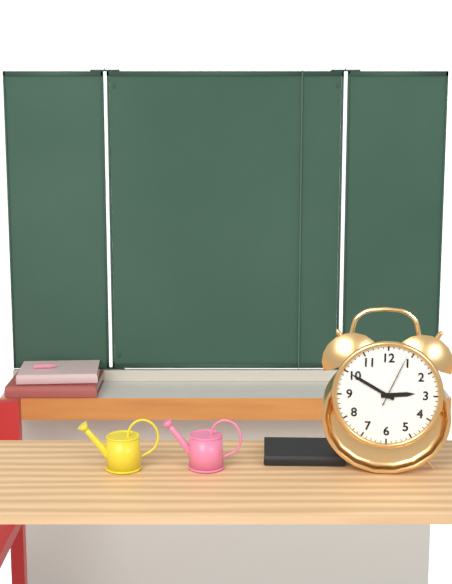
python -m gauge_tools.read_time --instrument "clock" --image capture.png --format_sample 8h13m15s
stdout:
2h50m04s
